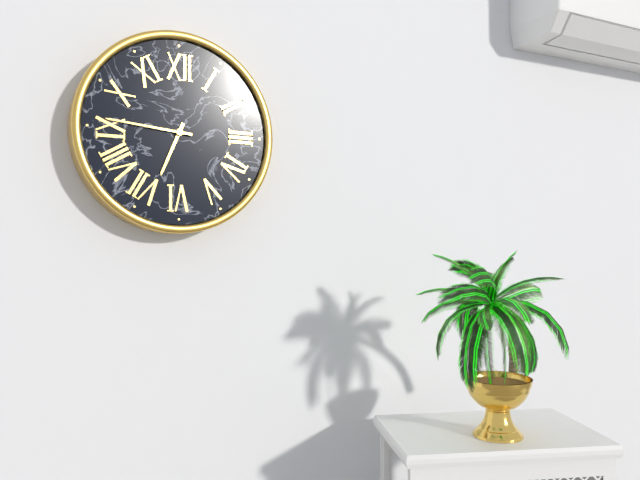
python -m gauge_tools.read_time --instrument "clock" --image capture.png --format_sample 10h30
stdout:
6h46
